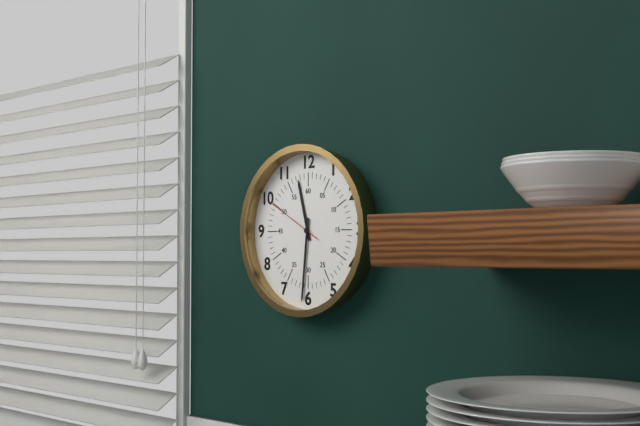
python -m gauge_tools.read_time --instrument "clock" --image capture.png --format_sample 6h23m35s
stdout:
11h31m50s
